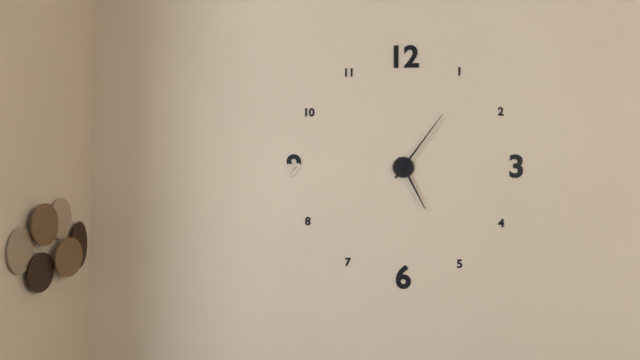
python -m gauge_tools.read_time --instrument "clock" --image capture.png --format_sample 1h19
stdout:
5h06
